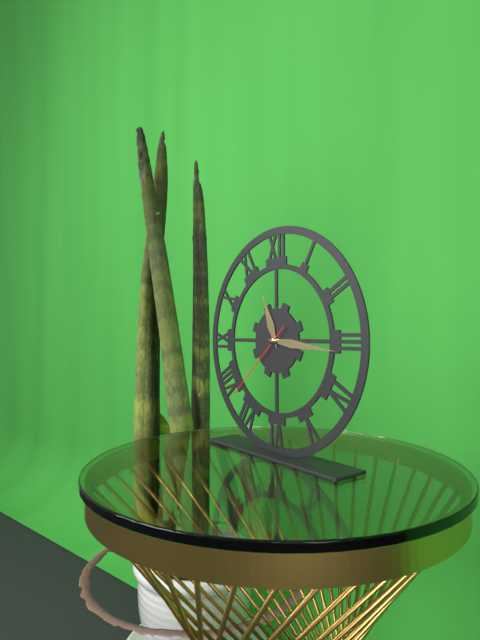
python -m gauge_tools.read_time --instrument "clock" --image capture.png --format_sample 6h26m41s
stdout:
11h16m38s
